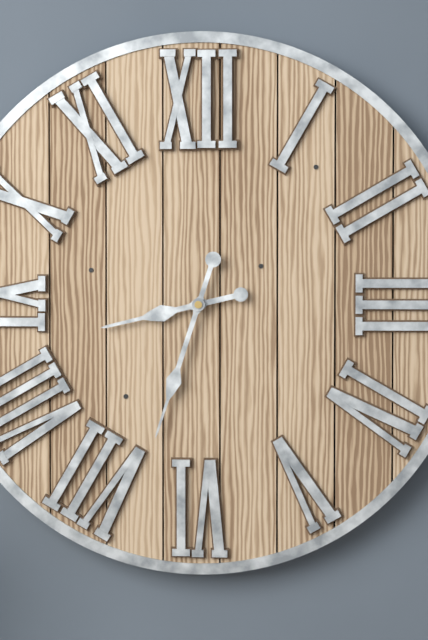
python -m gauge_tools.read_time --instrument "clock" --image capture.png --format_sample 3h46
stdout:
8h33
